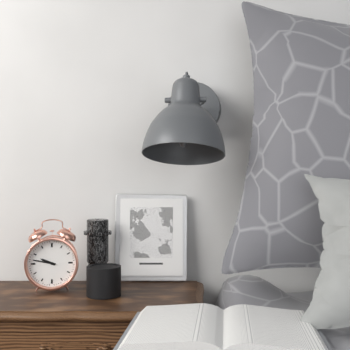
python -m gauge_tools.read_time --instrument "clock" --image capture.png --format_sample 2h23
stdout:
9h47
